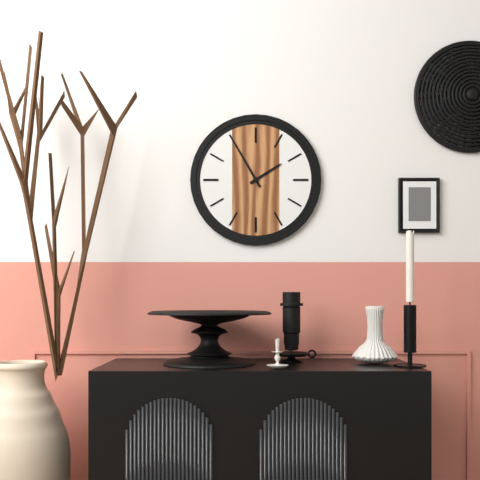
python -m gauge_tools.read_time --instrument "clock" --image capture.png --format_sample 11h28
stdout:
1h55
